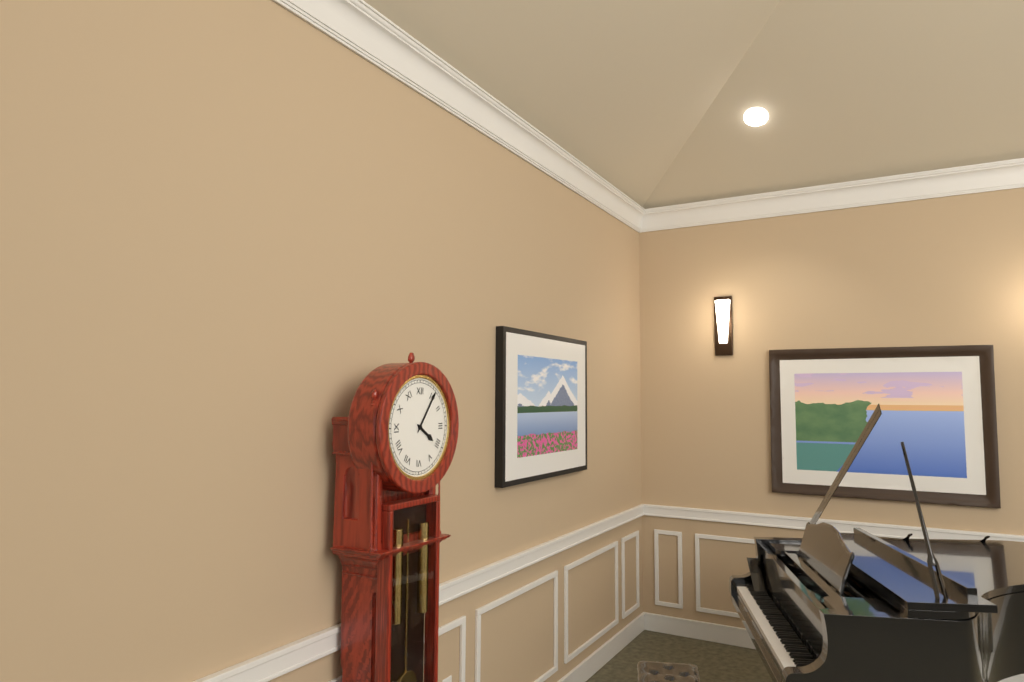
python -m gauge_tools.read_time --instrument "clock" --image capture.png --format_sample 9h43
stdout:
4h06
